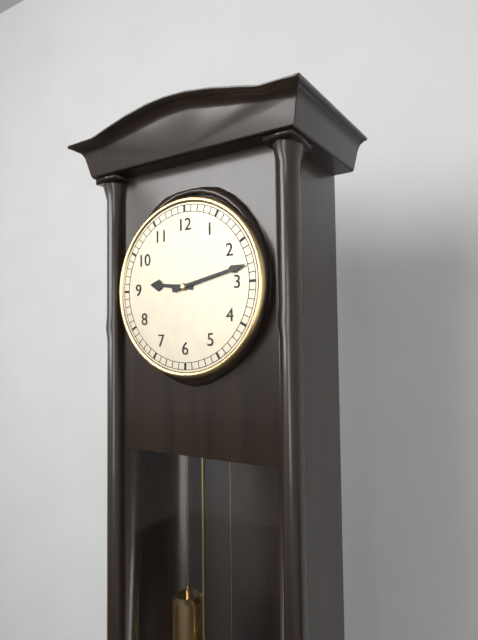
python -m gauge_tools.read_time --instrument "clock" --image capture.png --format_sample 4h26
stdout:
9h13
